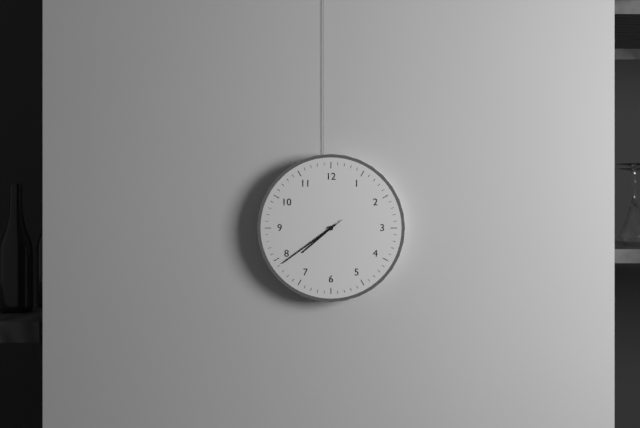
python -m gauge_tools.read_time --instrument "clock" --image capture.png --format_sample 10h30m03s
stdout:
7h39m39s
